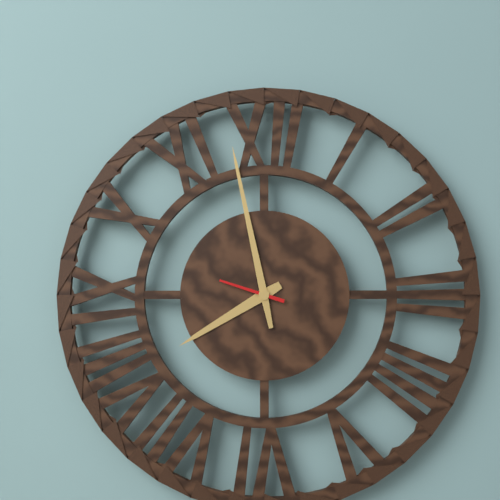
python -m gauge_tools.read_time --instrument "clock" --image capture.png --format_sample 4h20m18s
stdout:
7h58m48s
